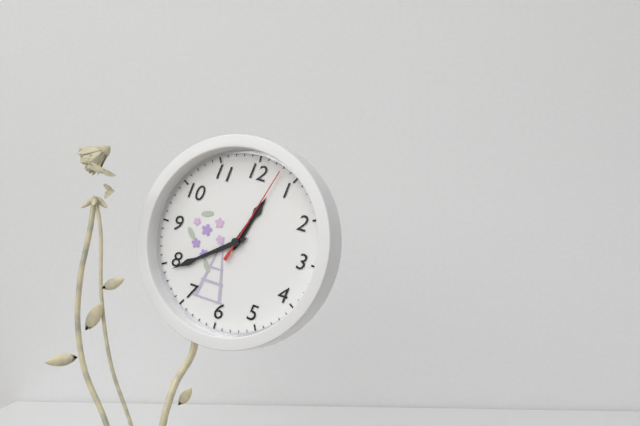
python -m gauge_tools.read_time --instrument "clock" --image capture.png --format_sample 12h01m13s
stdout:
12h39m03s
